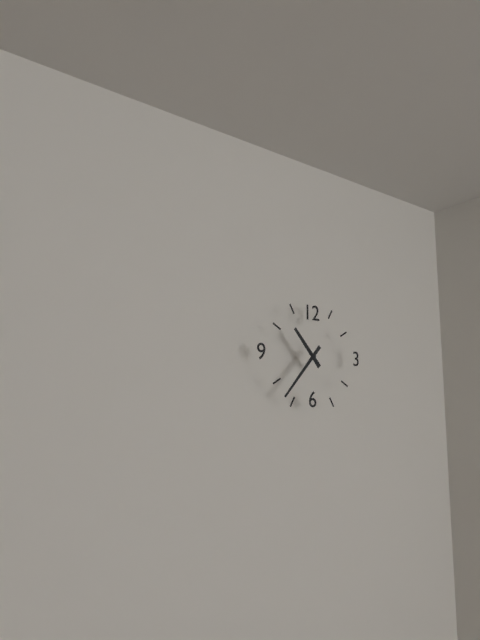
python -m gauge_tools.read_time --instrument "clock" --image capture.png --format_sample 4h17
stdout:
10h37
